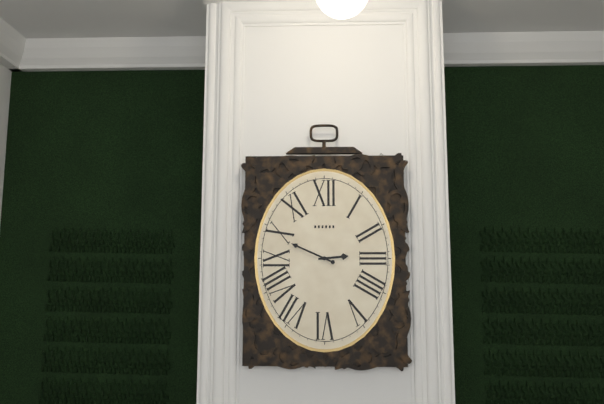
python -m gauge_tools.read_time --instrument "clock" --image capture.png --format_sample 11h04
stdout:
2h49
